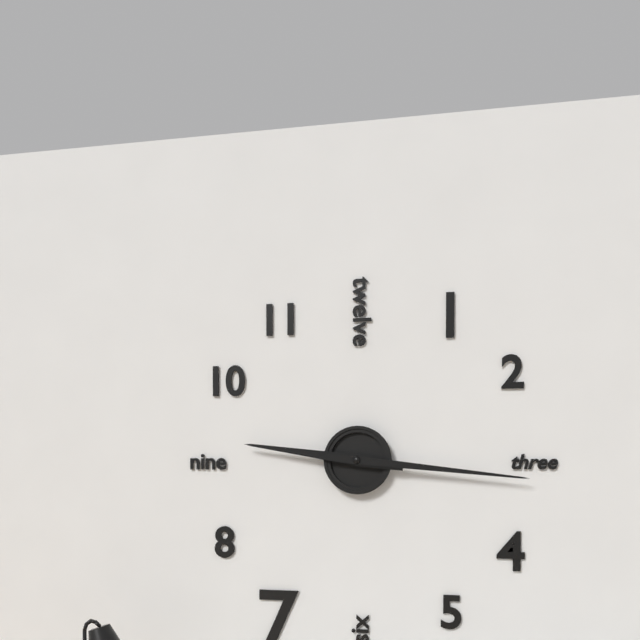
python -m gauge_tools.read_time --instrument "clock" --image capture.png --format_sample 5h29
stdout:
9h16
